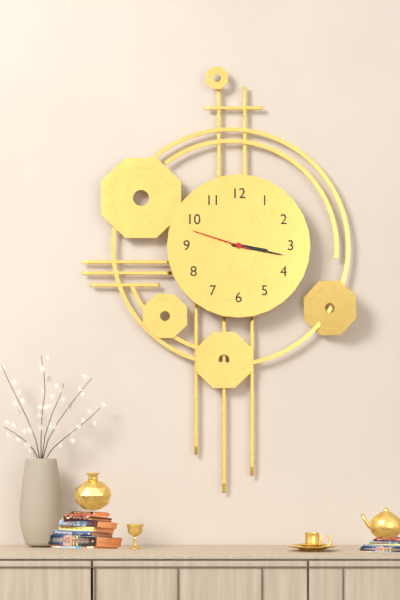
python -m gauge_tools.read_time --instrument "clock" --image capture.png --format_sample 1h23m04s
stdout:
3h17m48s
